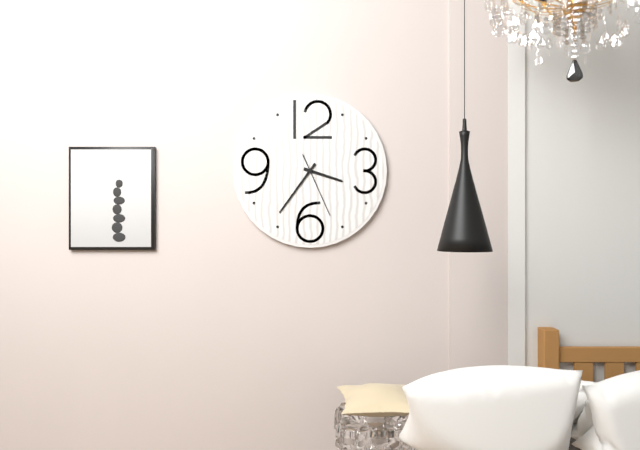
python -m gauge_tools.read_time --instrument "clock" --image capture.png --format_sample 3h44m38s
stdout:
3h36m26s
